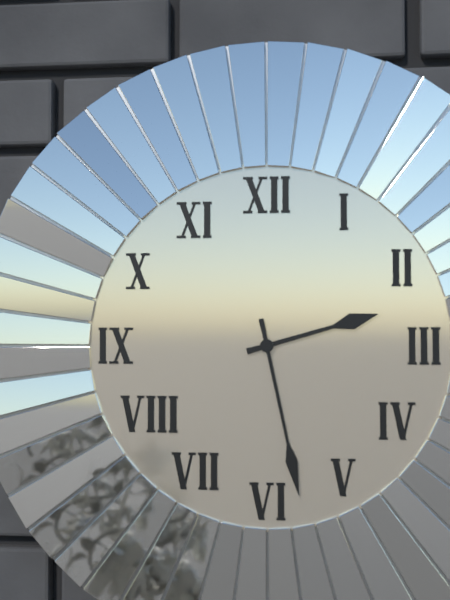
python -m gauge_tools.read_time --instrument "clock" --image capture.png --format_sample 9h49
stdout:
2h28
